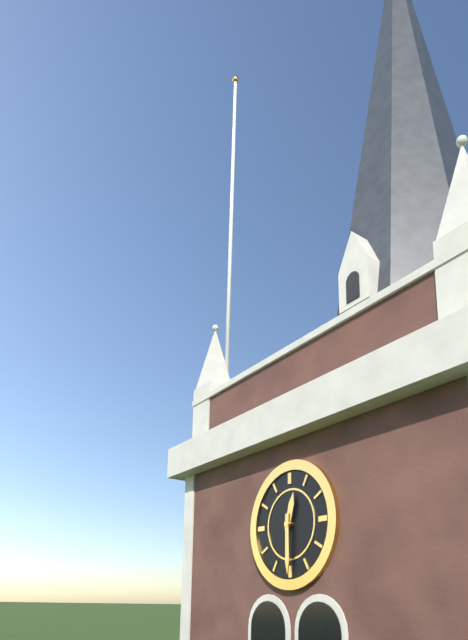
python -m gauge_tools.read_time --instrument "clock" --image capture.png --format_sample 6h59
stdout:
12h30
